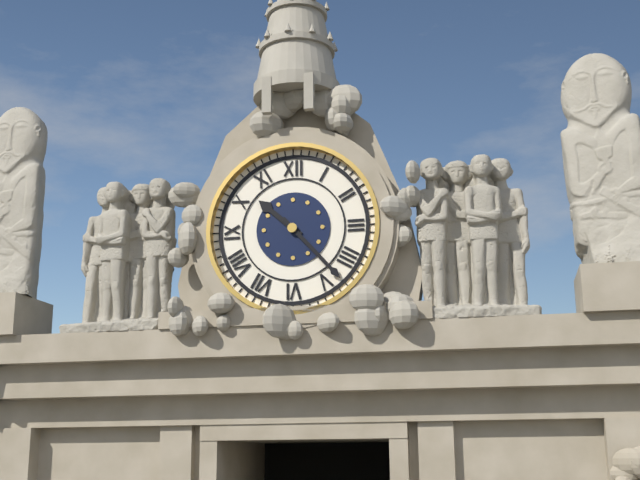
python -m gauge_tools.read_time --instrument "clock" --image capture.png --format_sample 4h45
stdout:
10h23
